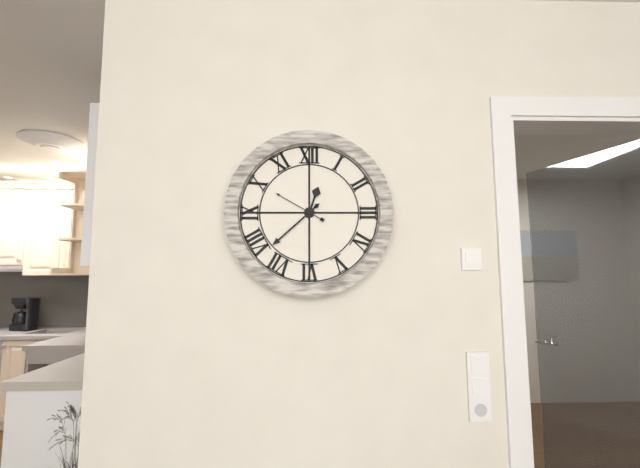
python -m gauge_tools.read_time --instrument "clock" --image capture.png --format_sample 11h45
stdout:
12h38
